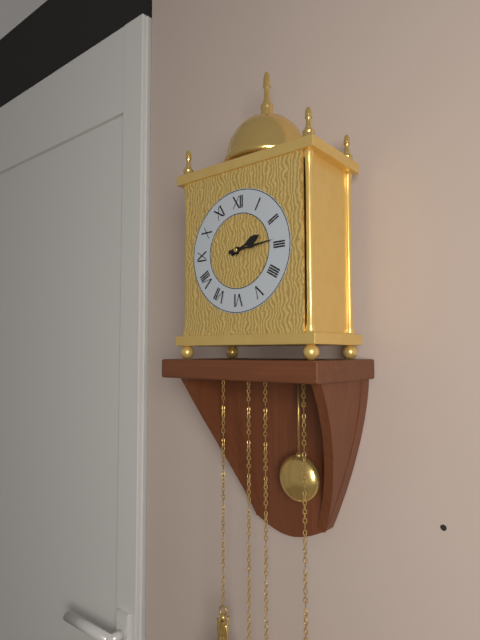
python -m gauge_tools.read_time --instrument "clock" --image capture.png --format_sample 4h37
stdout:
2h14
